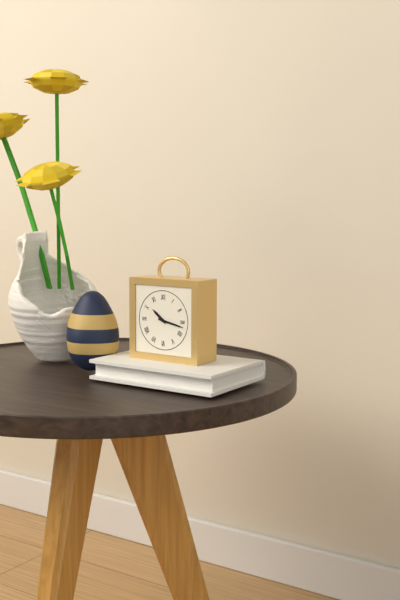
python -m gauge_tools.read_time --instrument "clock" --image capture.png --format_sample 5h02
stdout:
10h17
